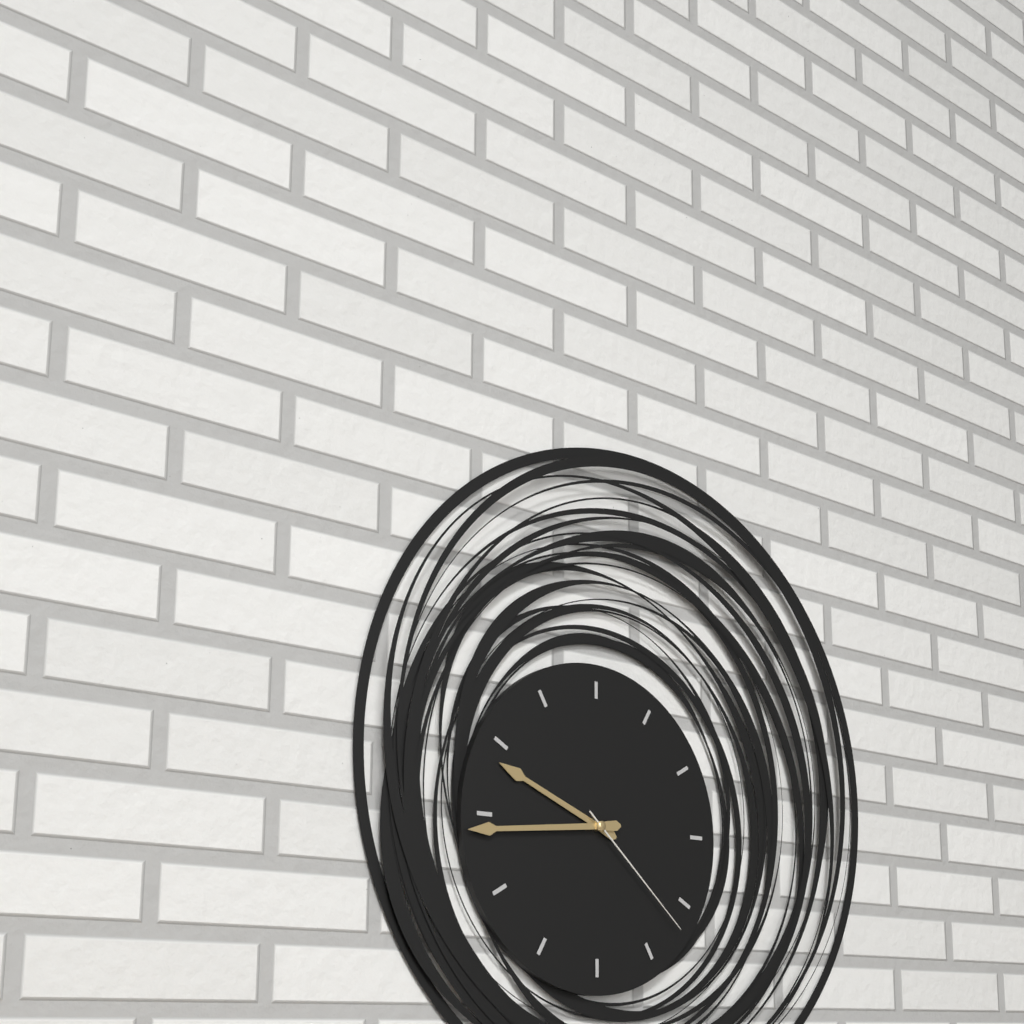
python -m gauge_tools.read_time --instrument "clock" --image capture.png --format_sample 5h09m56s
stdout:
9h44m22s
